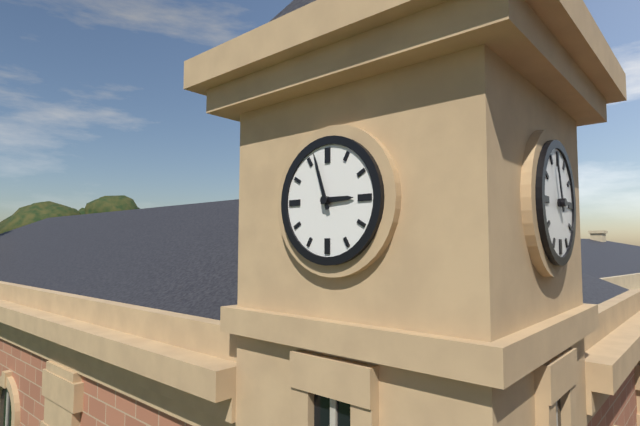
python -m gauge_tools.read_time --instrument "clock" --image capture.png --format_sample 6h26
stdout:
2h57
